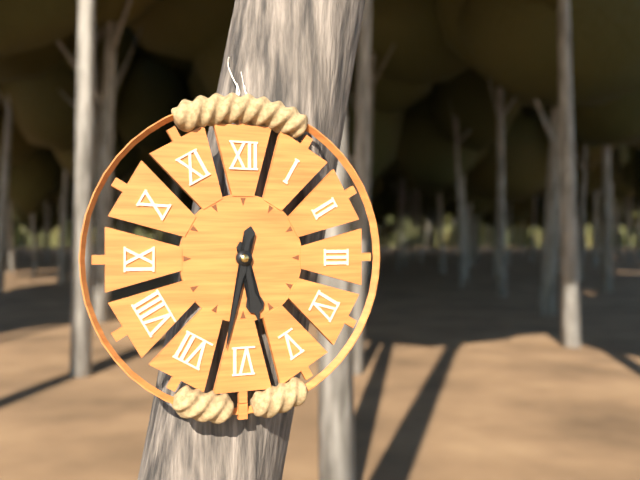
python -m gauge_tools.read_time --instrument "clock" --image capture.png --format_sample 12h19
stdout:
5h32
